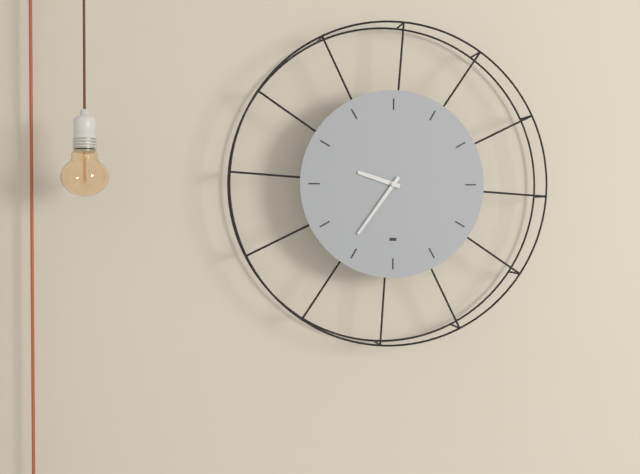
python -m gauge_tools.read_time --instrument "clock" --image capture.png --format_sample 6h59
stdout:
9h36
